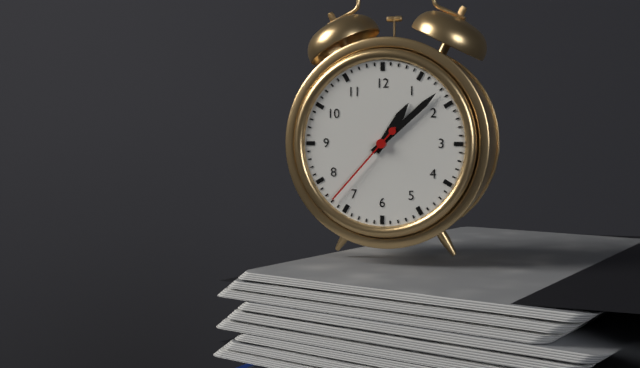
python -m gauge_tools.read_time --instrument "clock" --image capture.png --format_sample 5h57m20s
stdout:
1h08m37s
